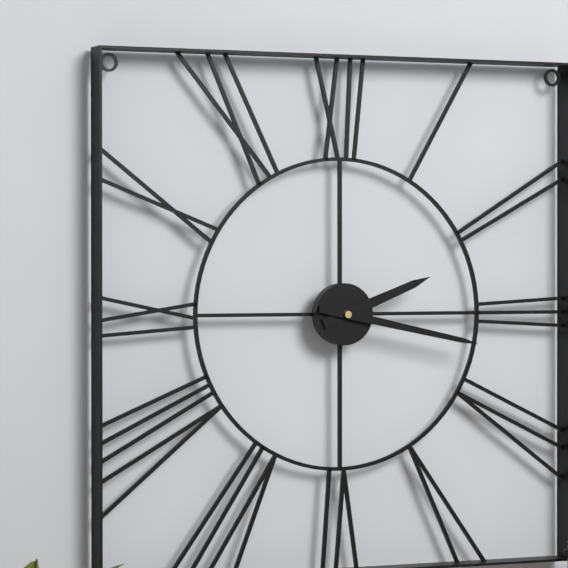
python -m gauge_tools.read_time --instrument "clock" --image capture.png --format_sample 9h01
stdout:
2h17
